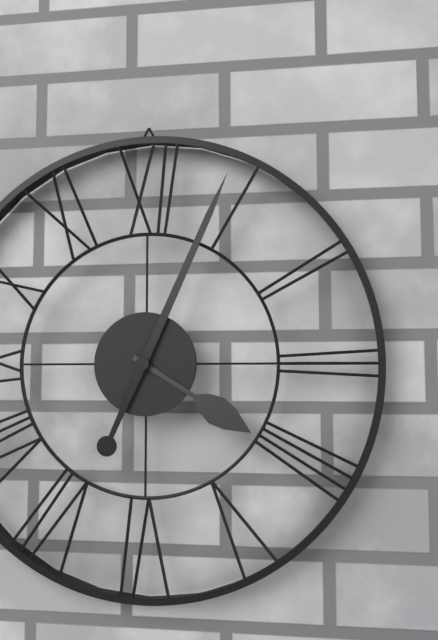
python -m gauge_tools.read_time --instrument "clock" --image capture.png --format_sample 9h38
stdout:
4h04
